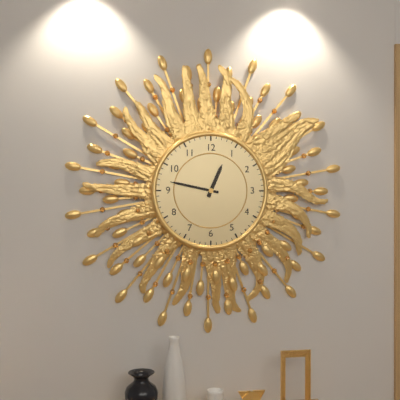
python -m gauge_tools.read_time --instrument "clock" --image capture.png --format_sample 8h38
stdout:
12h47
